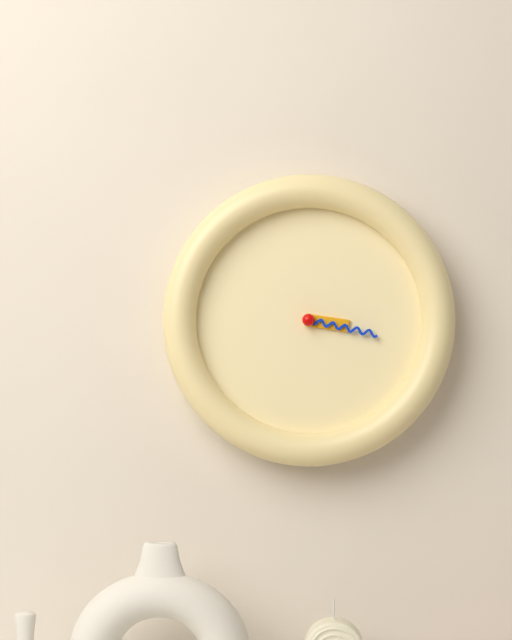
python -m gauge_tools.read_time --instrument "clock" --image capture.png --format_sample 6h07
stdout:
3h17
